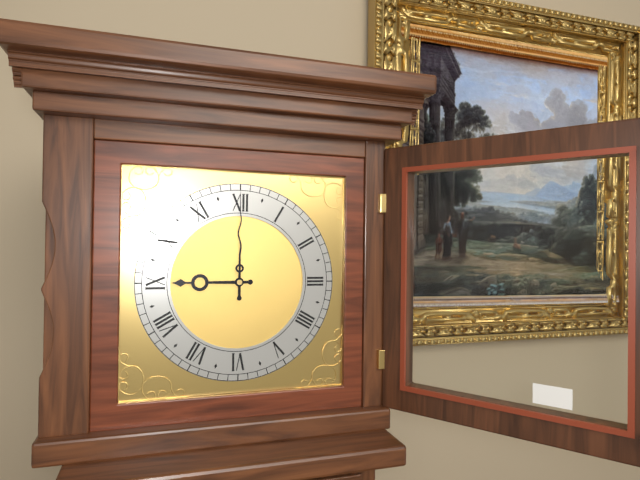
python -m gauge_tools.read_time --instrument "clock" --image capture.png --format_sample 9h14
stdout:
9h00
